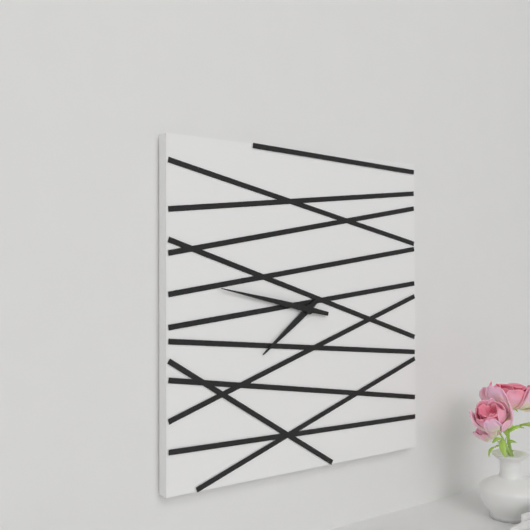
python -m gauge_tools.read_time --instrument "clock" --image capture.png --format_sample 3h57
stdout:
7h47
